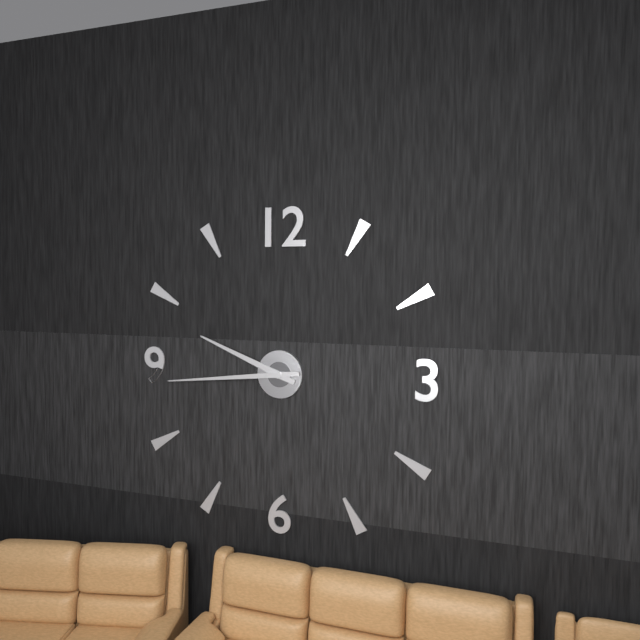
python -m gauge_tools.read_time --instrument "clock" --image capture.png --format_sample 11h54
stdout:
9h44
